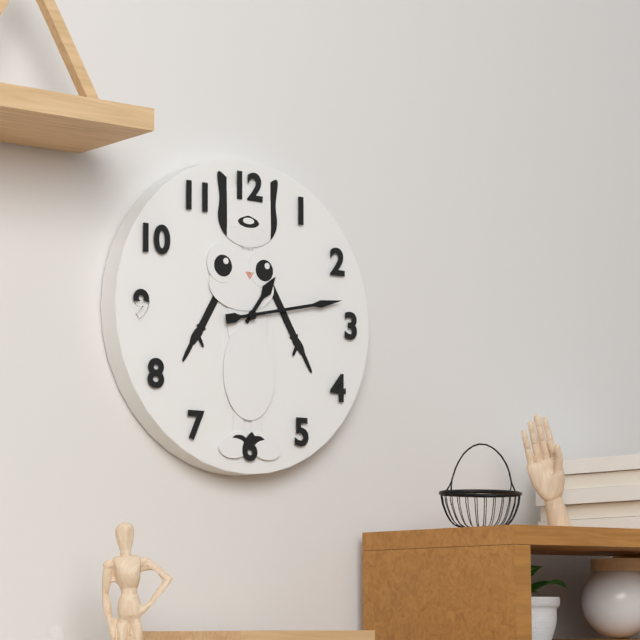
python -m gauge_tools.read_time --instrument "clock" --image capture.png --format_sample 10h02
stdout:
1h13
